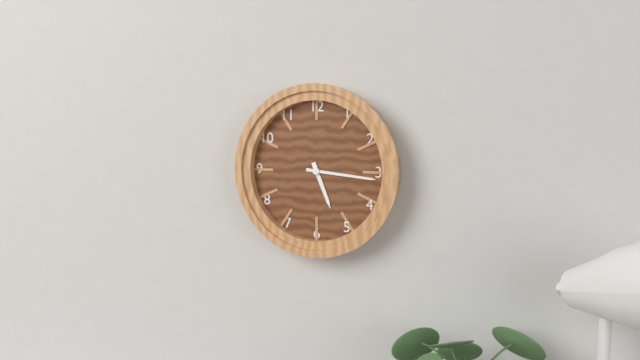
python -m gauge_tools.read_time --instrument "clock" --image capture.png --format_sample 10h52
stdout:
5h16
